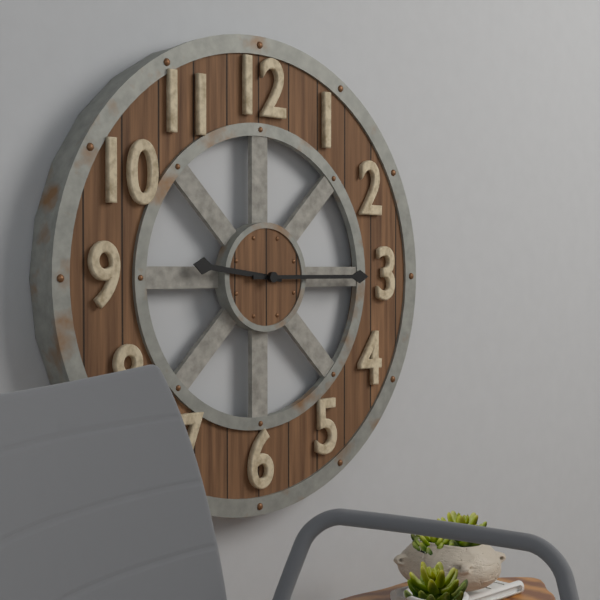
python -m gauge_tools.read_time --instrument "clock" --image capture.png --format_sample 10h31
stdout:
9h15
